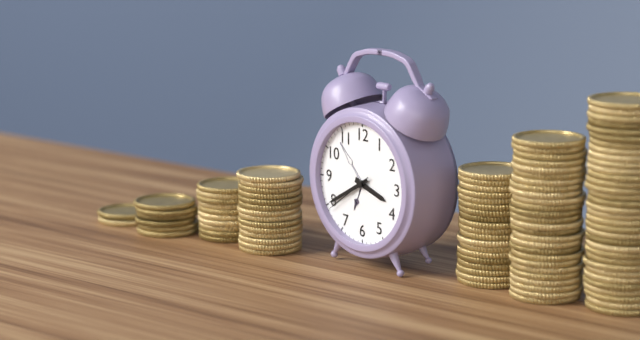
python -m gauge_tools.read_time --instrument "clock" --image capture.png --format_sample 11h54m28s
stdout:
3h40m39s
